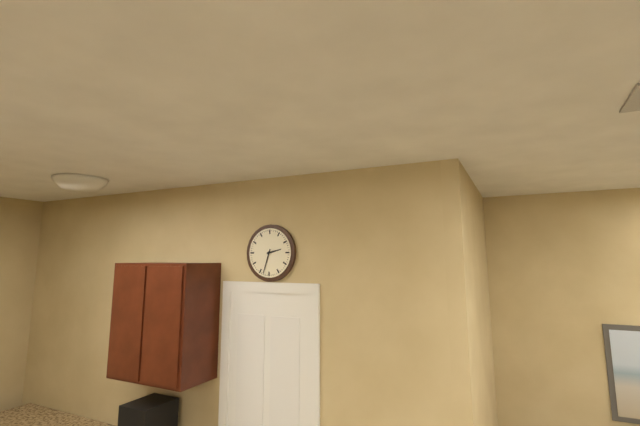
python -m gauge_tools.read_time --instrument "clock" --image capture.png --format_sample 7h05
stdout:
2h33
